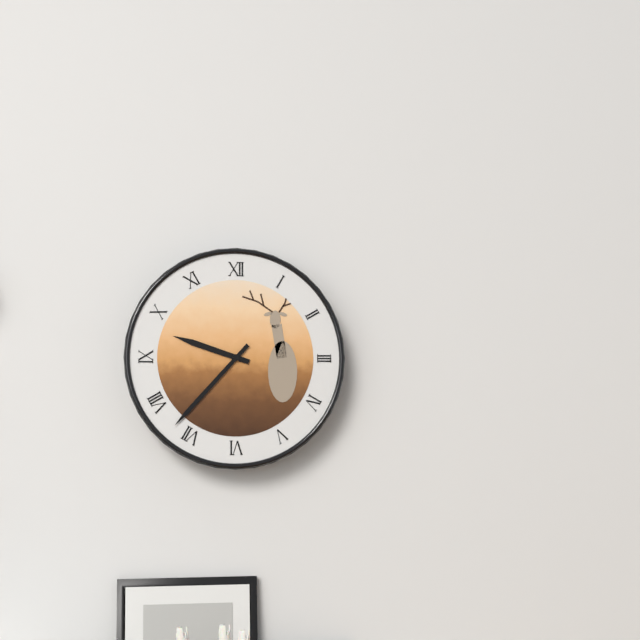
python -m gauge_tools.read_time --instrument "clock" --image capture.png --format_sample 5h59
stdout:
9h37
